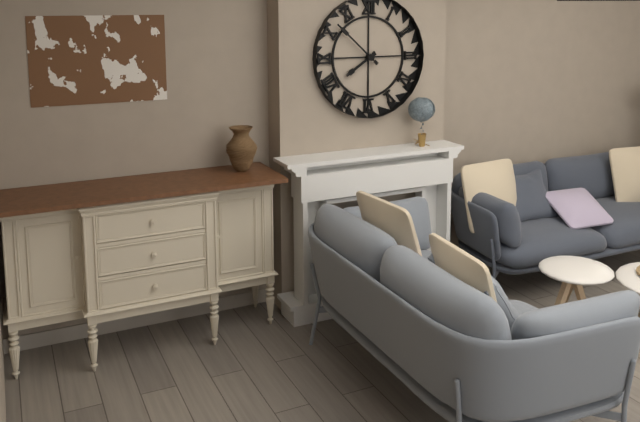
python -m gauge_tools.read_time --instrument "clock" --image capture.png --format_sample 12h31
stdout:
7h52
